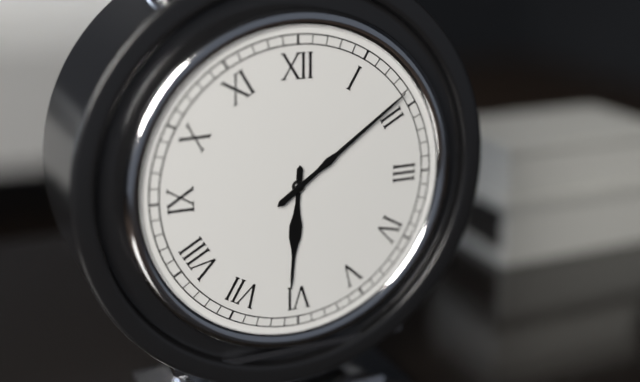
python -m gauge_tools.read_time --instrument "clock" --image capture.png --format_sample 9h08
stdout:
6h09
